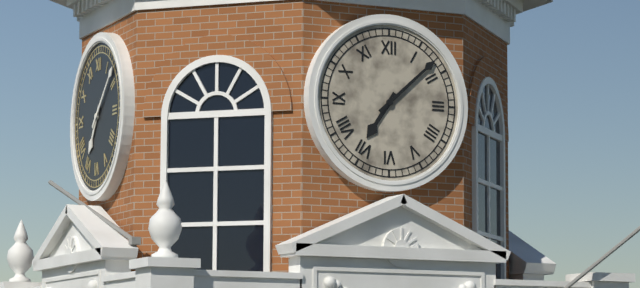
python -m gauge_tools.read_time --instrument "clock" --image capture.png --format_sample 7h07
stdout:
7h08
